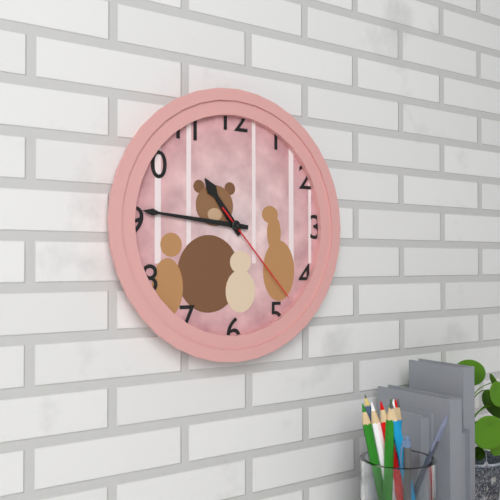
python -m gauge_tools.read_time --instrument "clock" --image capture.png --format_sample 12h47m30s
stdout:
10h46m23s
